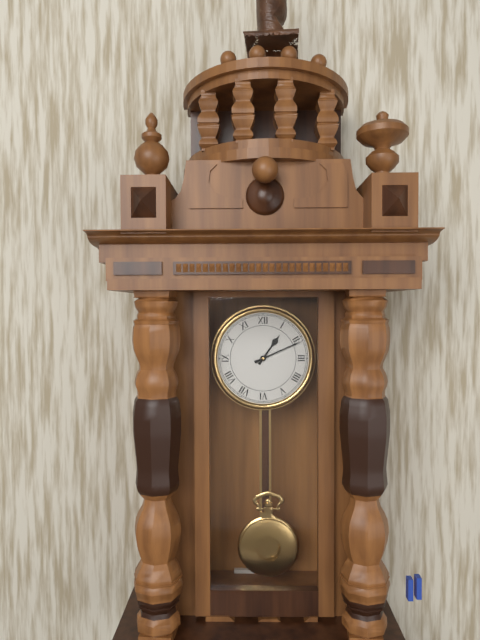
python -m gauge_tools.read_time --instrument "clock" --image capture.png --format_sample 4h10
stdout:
1h11
